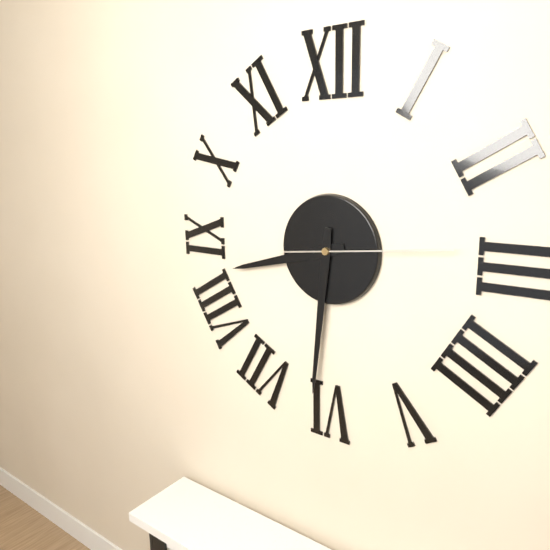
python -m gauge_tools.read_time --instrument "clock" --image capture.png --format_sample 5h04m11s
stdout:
8h31m14s
